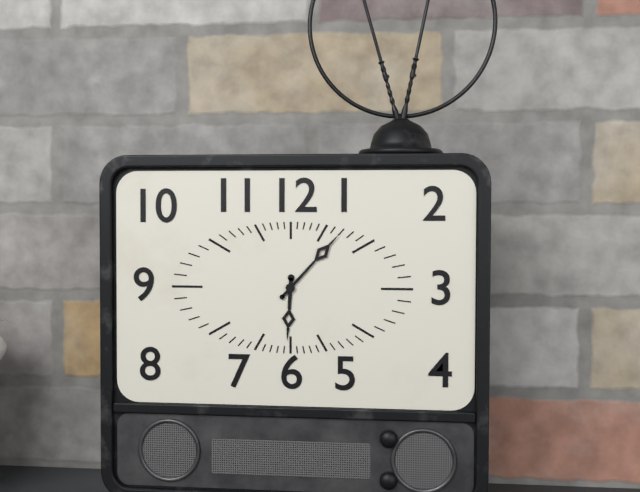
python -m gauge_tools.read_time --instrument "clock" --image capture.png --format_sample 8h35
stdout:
6h07
